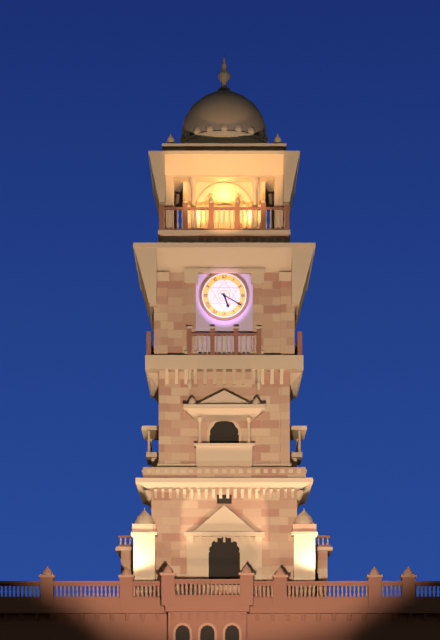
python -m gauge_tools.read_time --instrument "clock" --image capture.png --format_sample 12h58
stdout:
5h20
